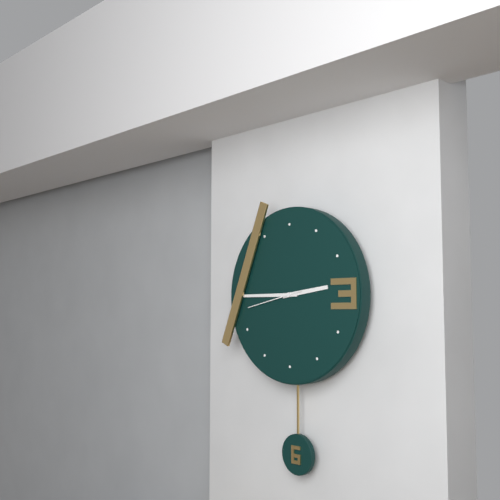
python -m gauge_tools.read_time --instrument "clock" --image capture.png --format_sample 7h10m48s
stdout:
2h45m43s
